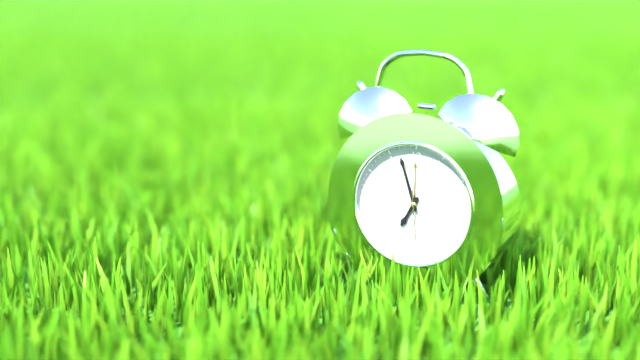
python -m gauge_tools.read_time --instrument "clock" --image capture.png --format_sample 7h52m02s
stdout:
6h57m29s
